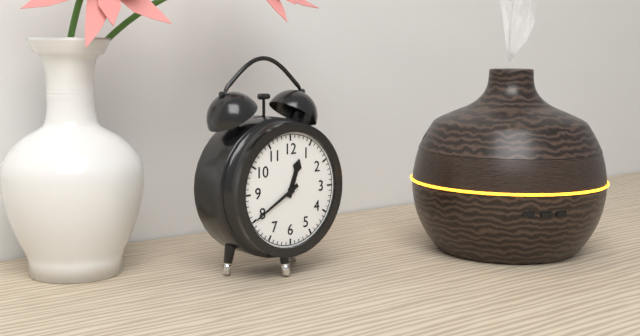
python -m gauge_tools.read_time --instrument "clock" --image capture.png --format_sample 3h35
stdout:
12h40
